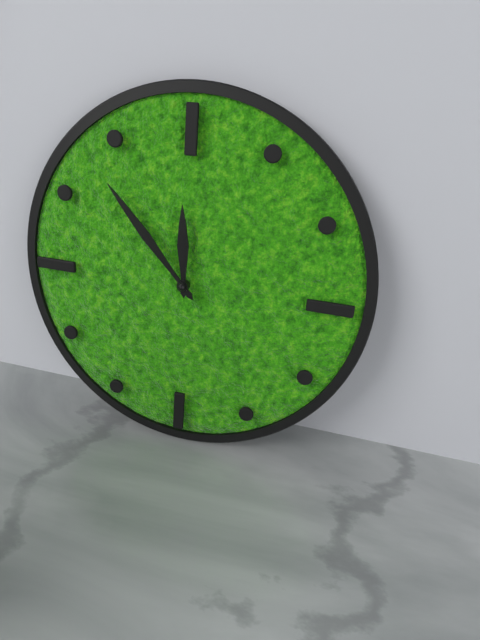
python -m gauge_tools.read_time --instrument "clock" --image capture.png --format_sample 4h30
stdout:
11h53
